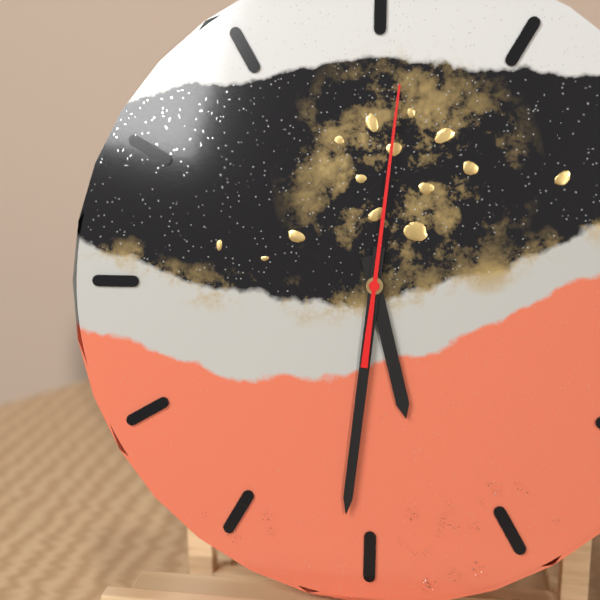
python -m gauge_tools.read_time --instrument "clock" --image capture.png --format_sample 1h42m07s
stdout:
5h31m01s
